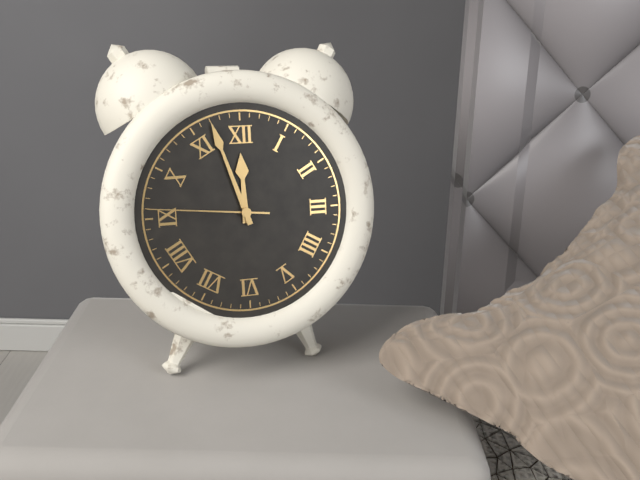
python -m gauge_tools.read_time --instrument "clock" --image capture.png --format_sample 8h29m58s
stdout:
11h57m46s
